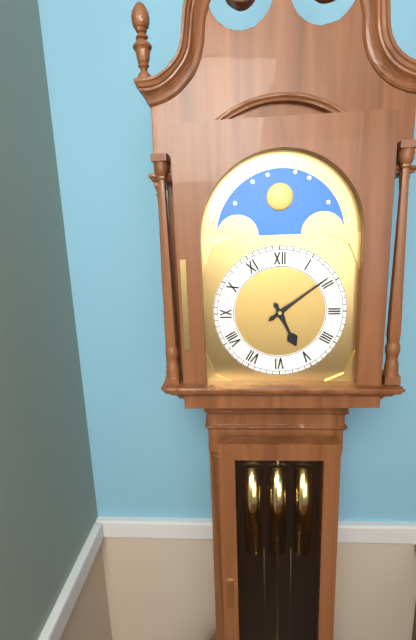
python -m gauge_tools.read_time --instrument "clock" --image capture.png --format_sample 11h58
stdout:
5h09
